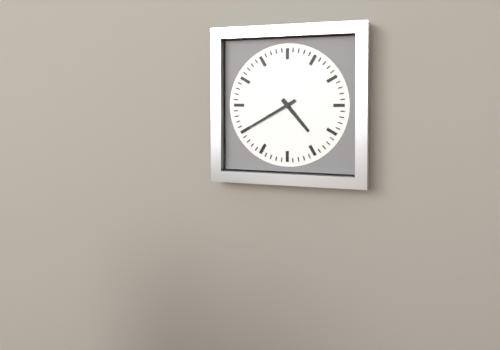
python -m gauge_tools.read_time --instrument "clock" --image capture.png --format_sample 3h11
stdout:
4h40
